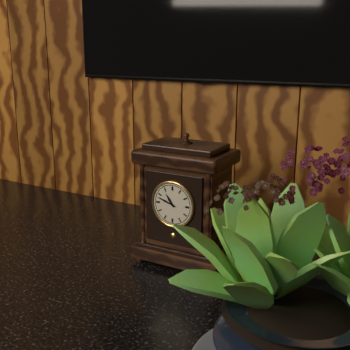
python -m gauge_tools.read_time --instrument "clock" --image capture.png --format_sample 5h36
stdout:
10h48
